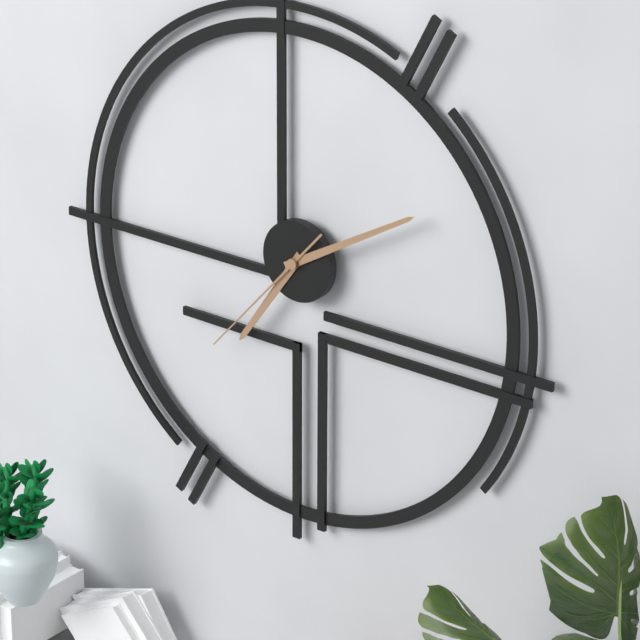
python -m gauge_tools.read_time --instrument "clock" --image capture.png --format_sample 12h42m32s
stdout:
7h10m37s
